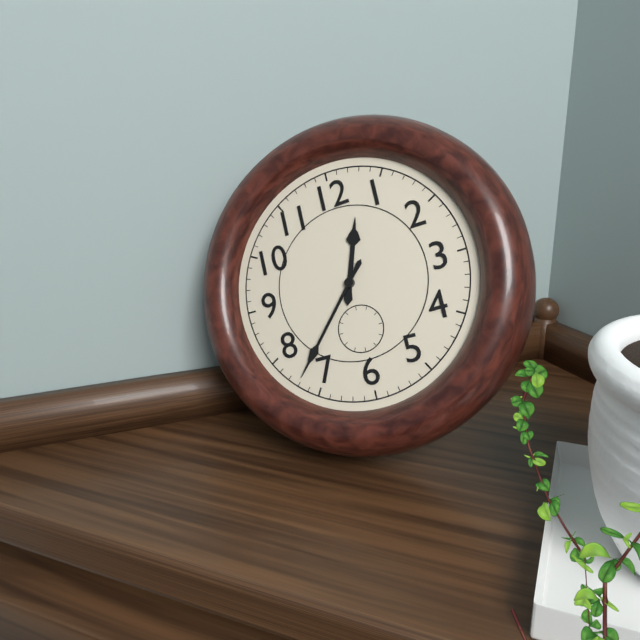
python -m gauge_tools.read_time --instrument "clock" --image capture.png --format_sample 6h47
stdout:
12h37
